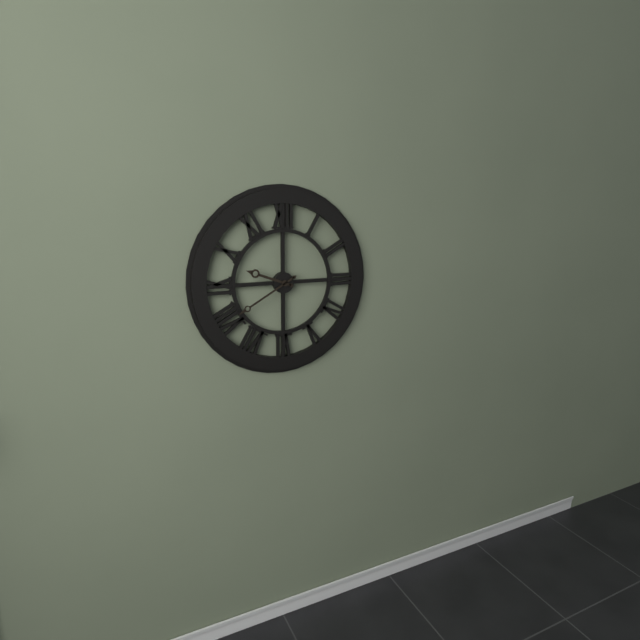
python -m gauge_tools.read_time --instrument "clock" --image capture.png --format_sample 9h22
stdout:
9h40
